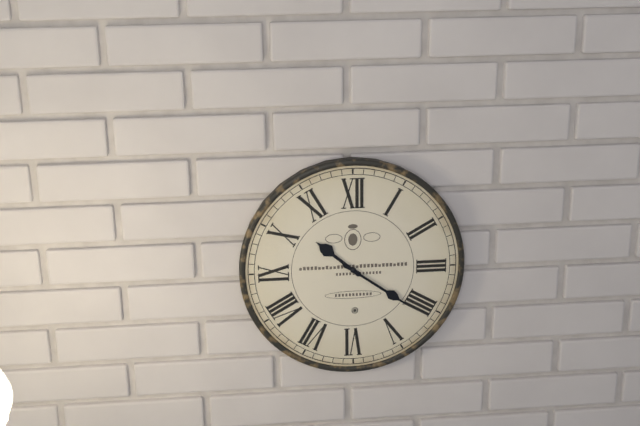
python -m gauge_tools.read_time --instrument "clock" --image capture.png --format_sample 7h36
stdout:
10h21
